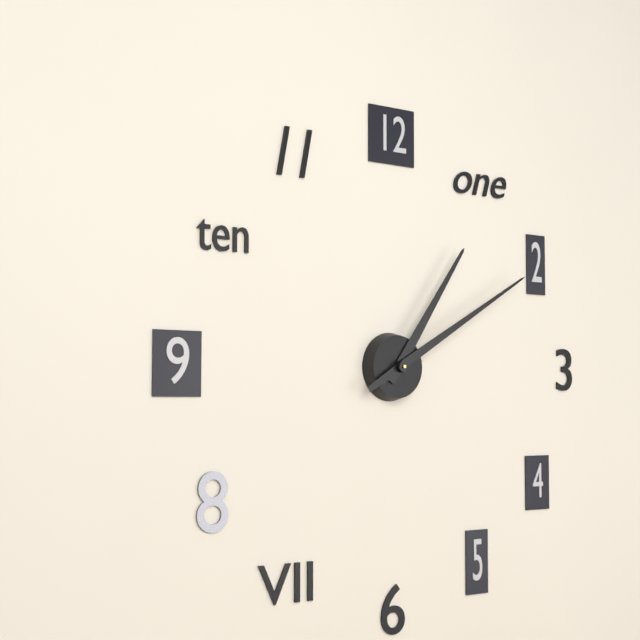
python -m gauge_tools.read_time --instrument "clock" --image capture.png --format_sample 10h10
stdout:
1h10
